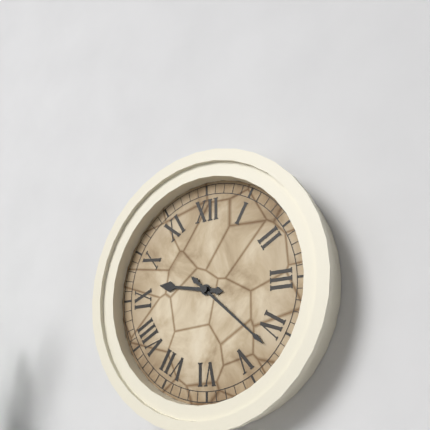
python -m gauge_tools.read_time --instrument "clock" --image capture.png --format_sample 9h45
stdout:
9h22
